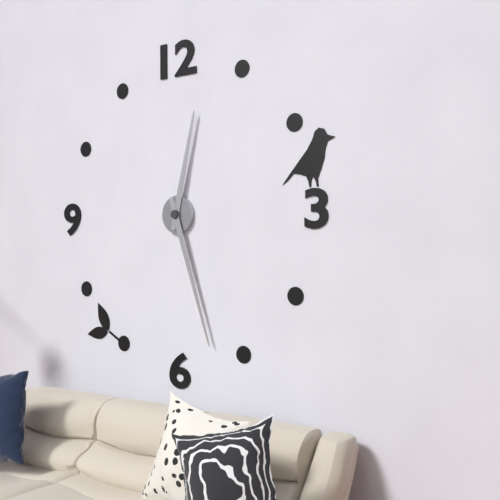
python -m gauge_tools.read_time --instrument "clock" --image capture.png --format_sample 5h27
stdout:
12h27
